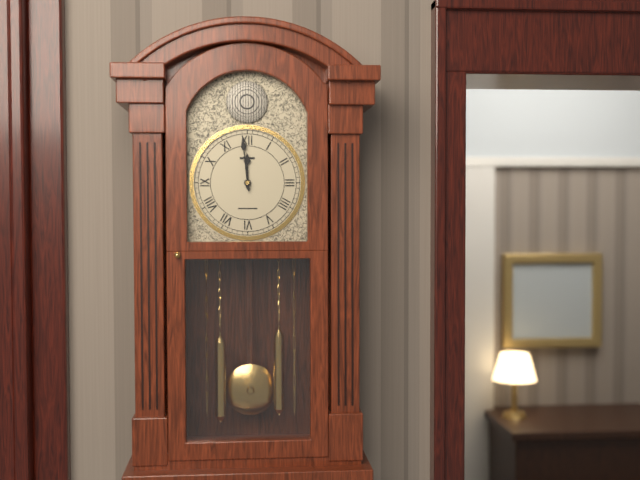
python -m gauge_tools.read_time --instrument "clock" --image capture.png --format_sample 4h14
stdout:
11h59
